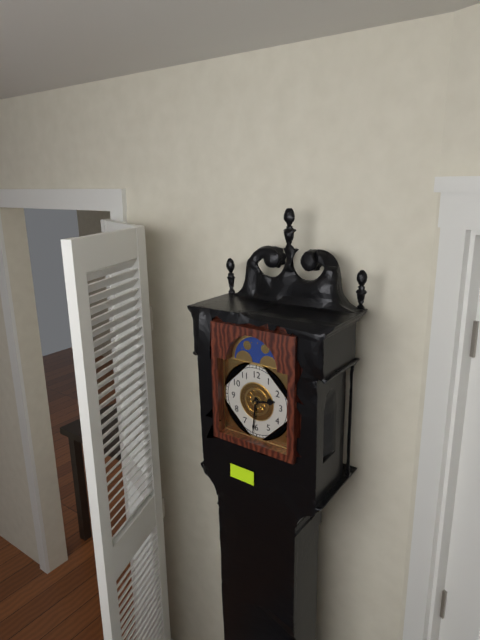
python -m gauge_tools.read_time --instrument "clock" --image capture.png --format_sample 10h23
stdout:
2h31
